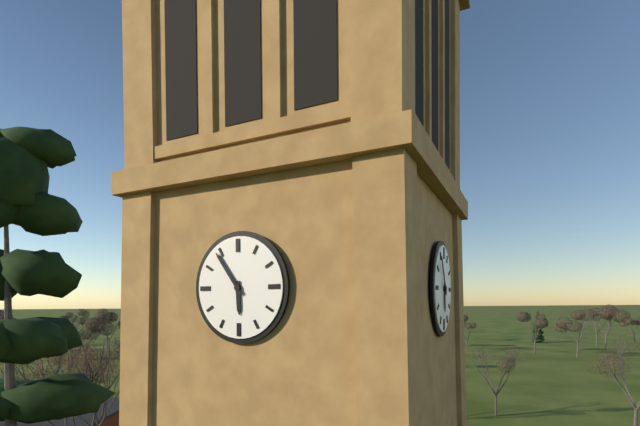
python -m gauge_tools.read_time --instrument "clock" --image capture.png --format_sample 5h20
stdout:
5h54
